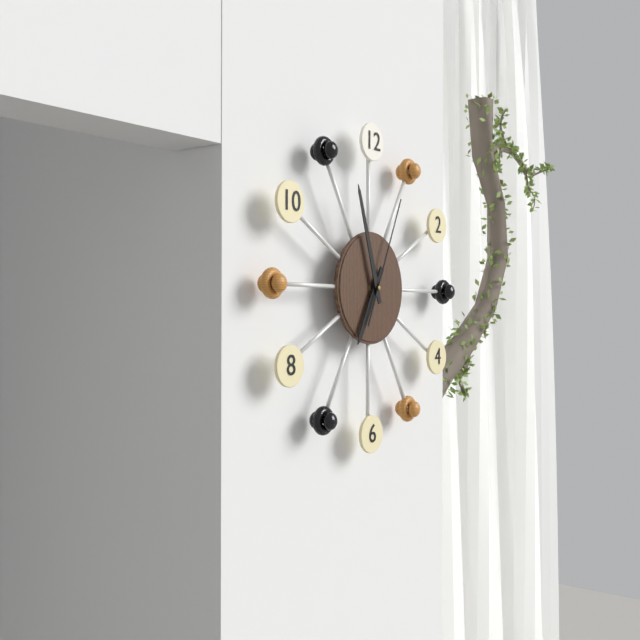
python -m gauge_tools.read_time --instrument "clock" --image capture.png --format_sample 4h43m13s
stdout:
6h57m04s
